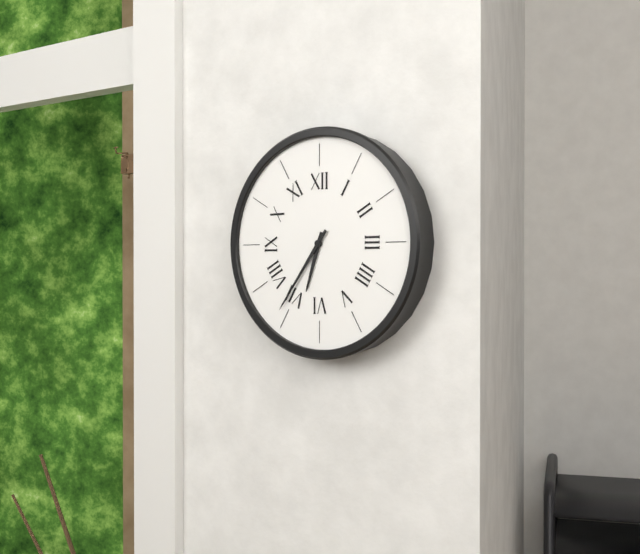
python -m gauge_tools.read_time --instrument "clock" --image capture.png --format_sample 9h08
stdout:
6h36
